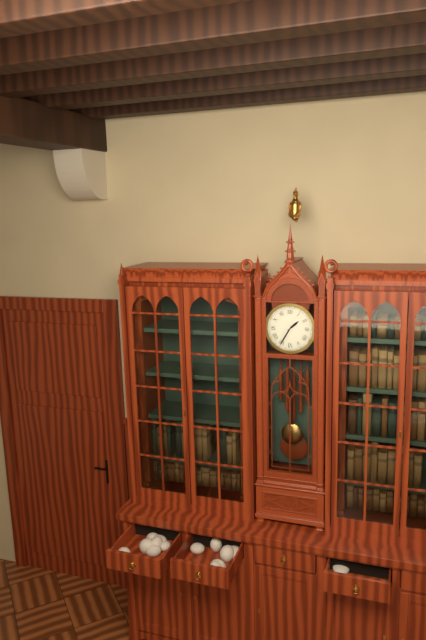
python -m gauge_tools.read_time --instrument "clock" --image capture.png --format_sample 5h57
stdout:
1h35
